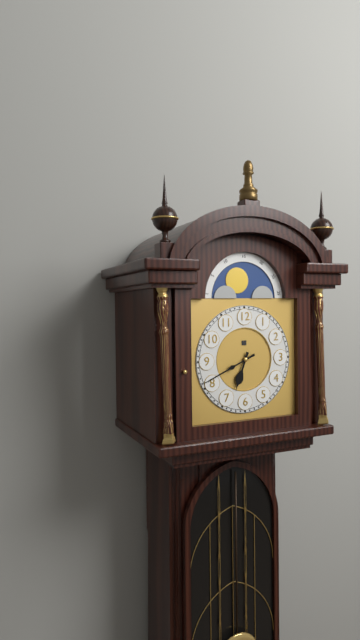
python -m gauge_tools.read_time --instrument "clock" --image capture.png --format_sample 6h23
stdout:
6h41
